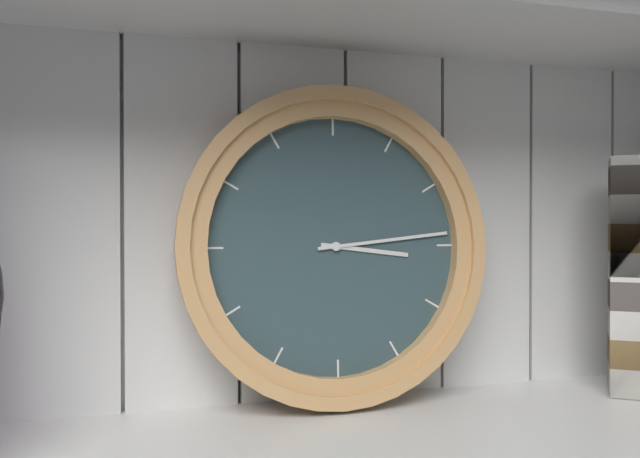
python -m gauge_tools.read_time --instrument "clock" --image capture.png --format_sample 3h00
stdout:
3h14
